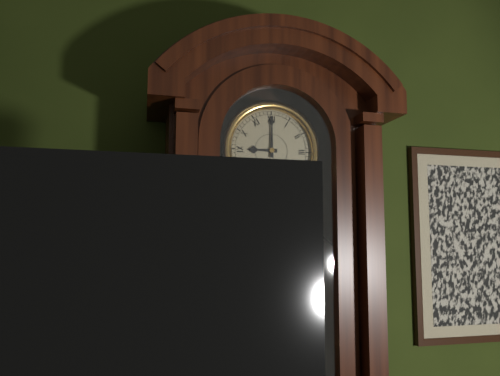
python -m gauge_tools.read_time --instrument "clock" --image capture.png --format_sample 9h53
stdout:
9h00
